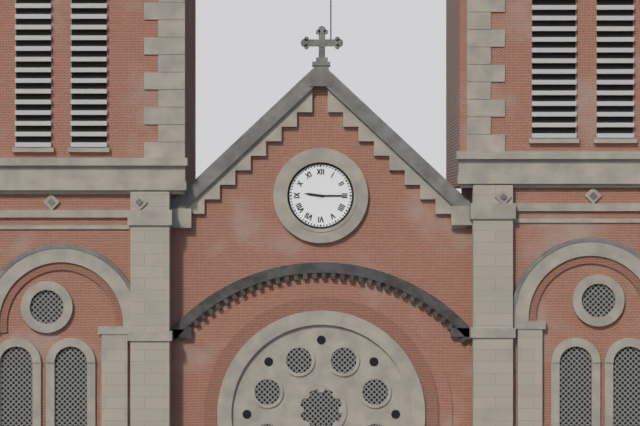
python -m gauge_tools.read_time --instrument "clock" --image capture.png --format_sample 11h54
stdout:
9h15
